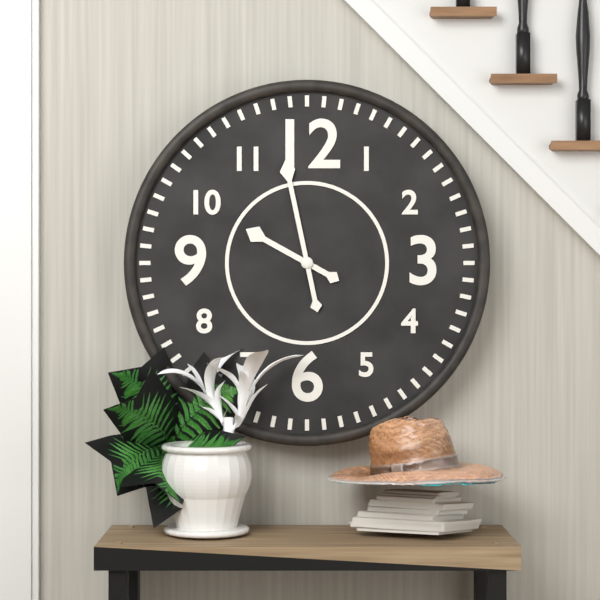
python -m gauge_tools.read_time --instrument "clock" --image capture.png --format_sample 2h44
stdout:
9h58
